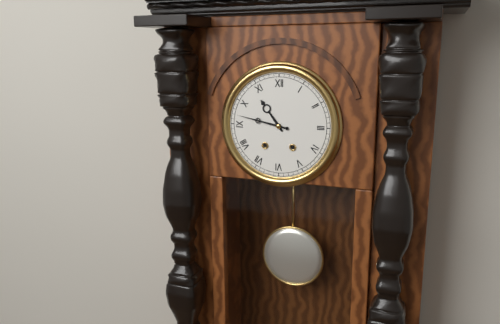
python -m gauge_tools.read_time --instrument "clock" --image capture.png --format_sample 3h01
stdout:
10h47
